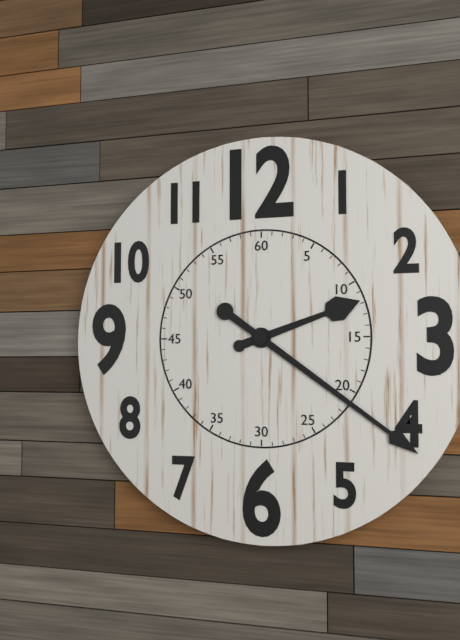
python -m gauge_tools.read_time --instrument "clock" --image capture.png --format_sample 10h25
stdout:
2h21
